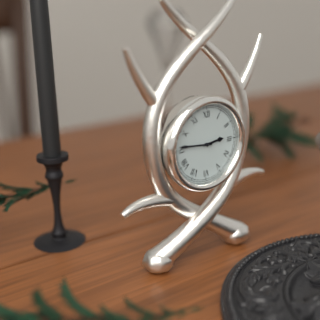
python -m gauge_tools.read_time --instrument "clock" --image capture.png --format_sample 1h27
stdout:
2h46
